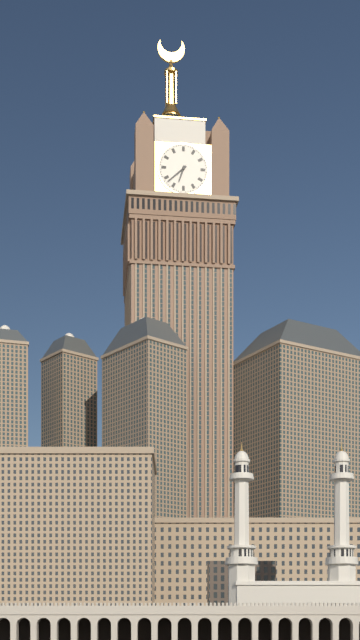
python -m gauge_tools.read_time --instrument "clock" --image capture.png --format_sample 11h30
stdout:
6h38
